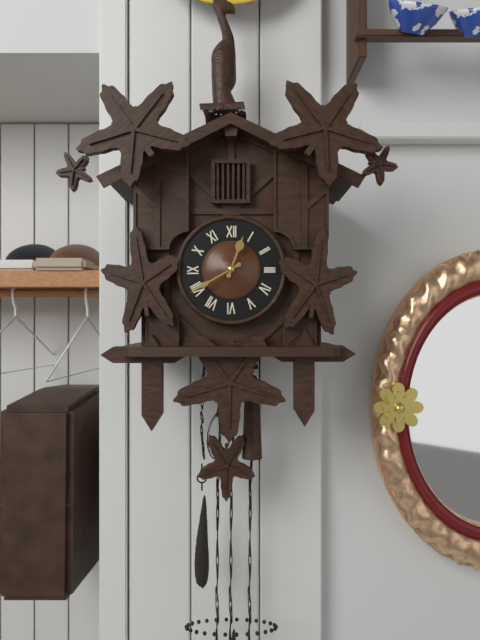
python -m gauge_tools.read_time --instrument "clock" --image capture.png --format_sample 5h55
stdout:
12h40
